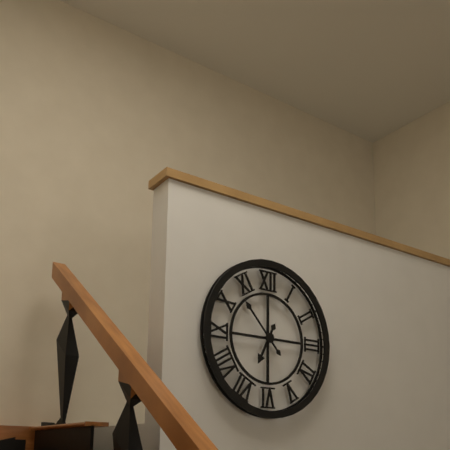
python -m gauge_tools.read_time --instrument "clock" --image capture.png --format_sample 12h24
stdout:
6h53
